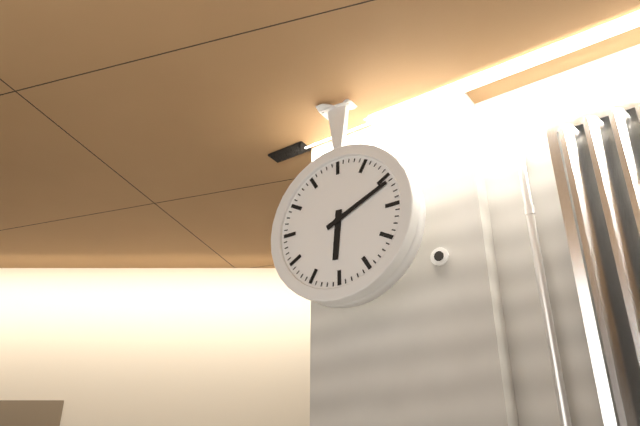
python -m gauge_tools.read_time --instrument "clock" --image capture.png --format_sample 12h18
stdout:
6h11
